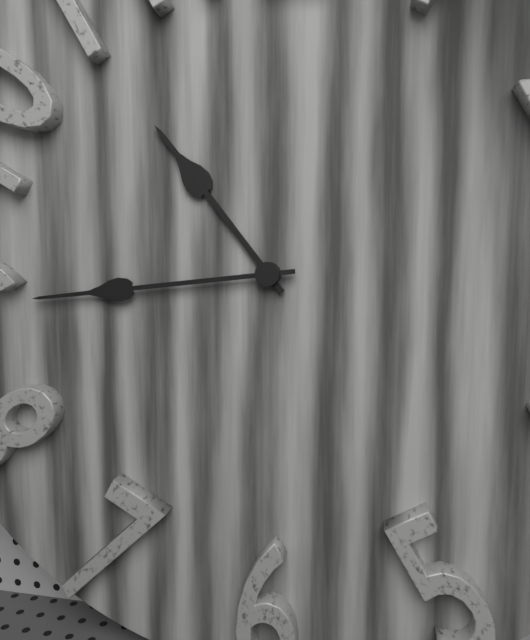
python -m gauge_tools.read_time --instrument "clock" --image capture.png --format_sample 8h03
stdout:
10h44
